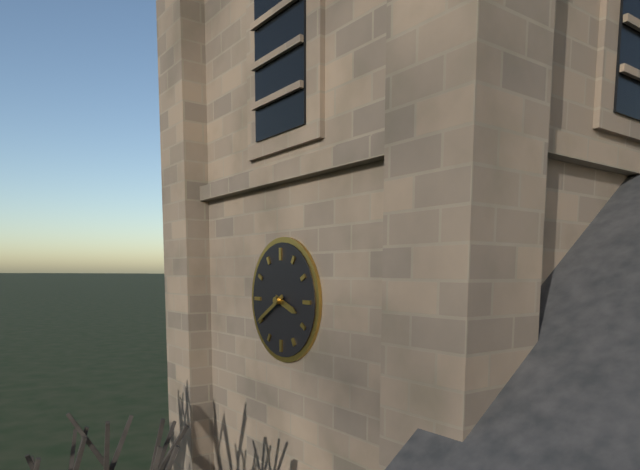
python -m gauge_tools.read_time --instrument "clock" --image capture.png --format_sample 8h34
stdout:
3h40
